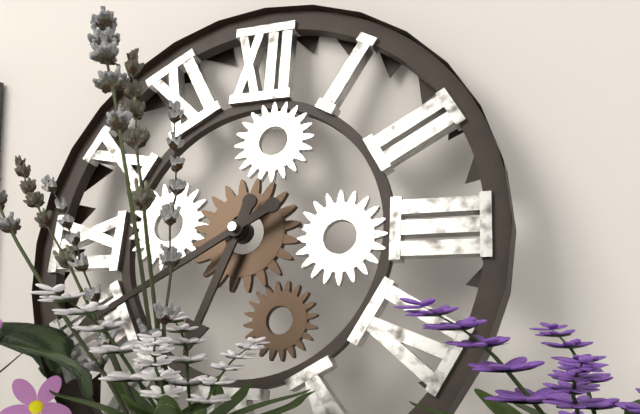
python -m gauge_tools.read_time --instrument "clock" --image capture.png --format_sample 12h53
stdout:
6h40
